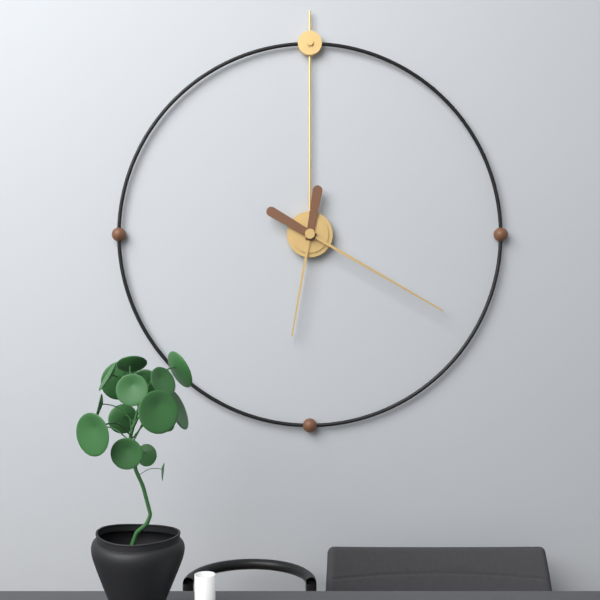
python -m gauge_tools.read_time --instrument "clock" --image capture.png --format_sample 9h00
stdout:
6h20
